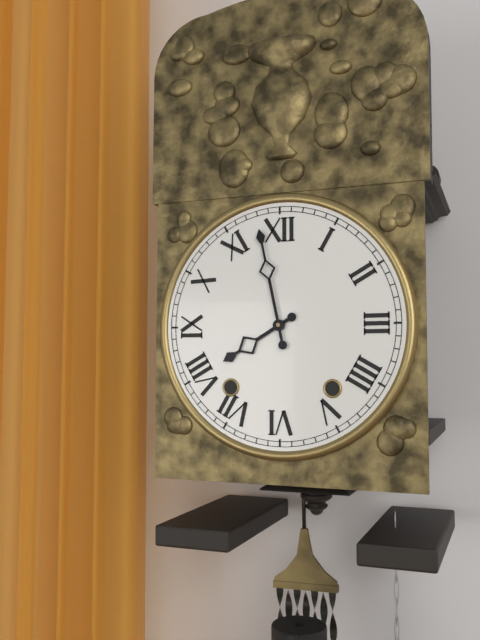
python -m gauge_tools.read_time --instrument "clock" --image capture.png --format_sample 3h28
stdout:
7h58
